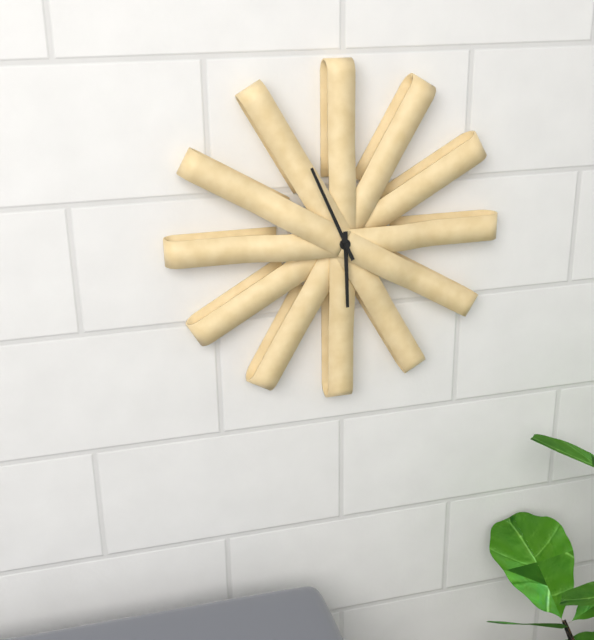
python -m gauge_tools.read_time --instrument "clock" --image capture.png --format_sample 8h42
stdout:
5h56
